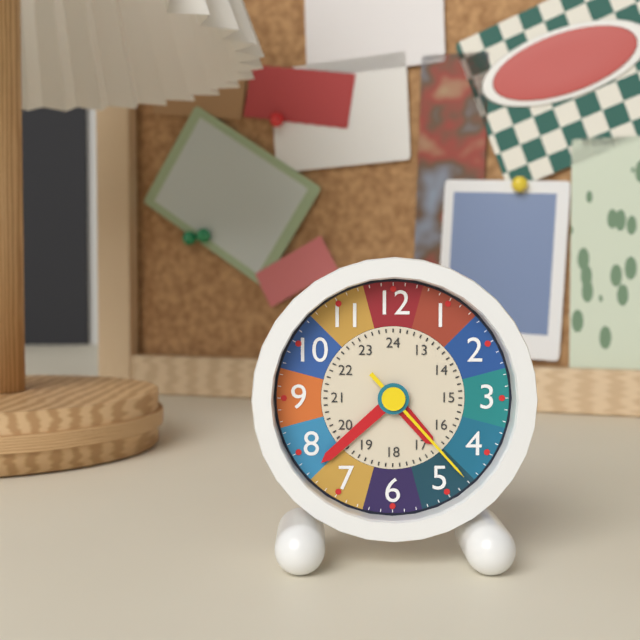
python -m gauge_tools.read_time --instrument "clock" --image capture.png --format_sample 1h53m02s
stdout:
4h38m23s
